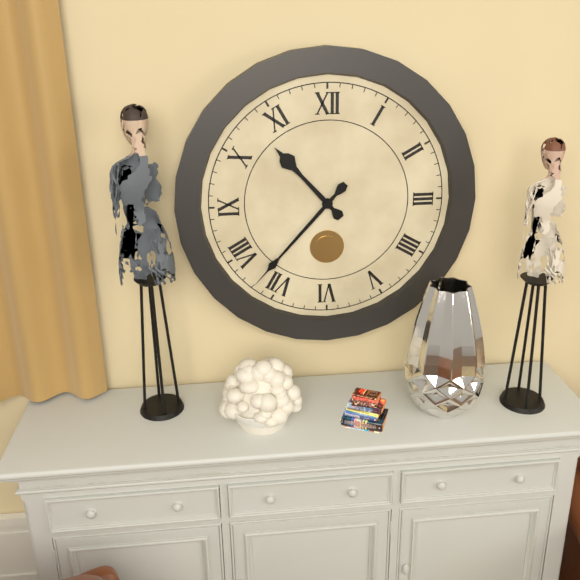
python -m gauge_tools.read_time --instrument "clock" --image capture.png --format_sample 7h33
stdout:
10h37
